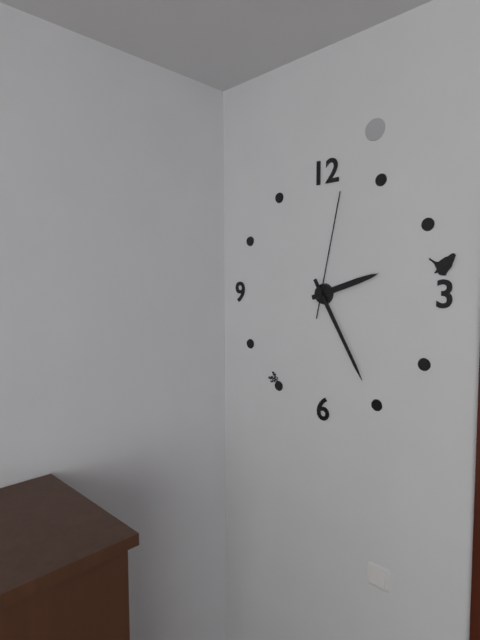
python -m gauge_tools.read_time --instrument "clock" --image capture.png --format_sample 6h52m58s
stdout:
2h25m02s
